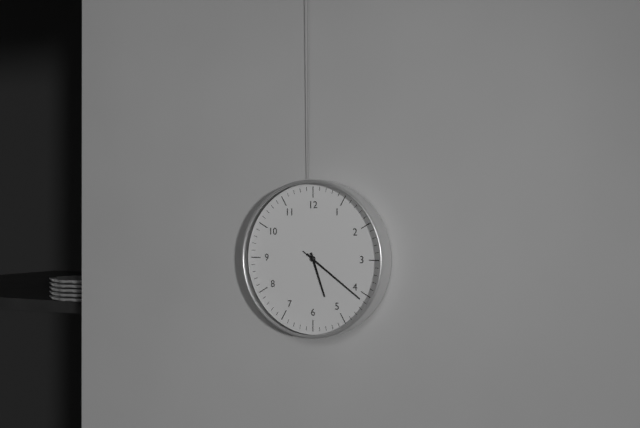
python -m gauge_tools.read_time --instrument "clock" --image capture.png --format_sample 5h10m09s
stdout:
5h21m21s
